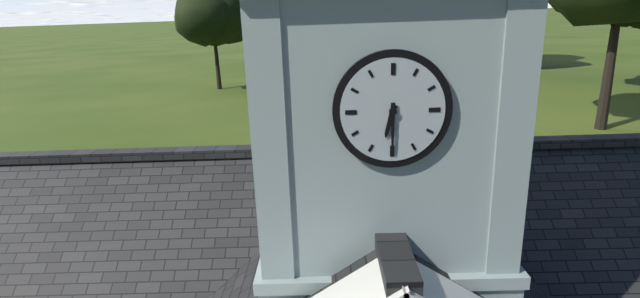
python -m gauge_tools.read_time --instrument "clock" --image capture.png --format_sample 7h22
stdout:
6h30
